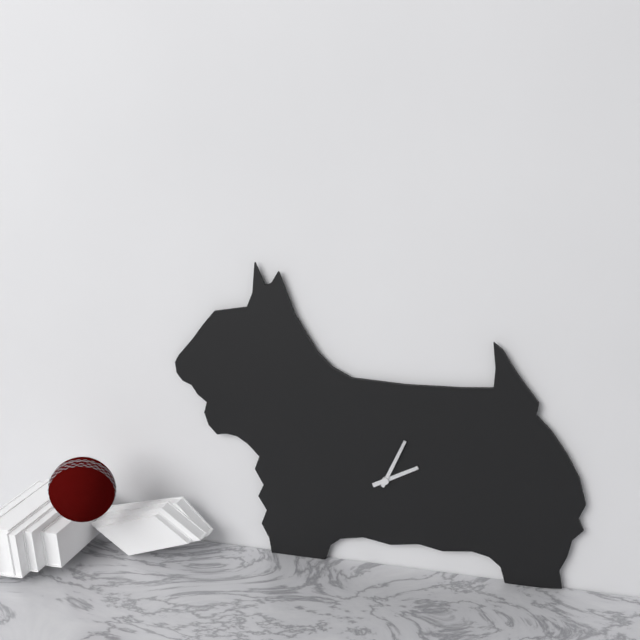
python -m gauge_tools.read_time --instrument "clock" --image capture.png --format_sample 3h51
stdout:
2h04
